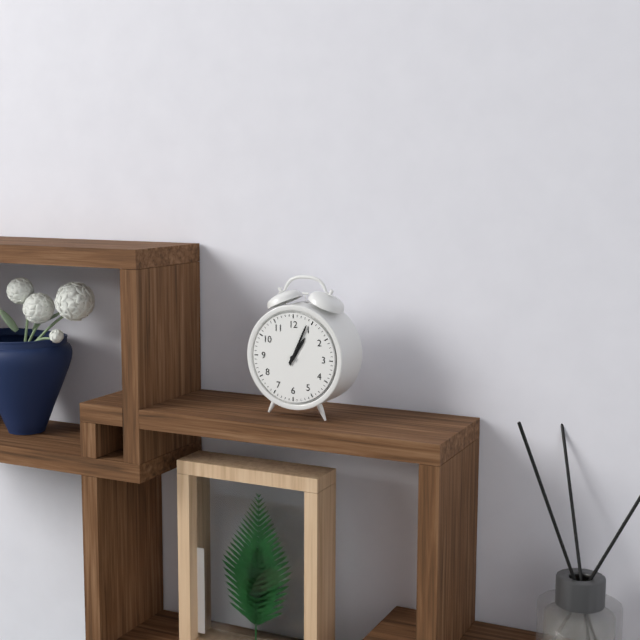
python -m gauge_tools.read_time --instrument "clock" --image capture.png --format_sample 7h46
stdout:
1h04
